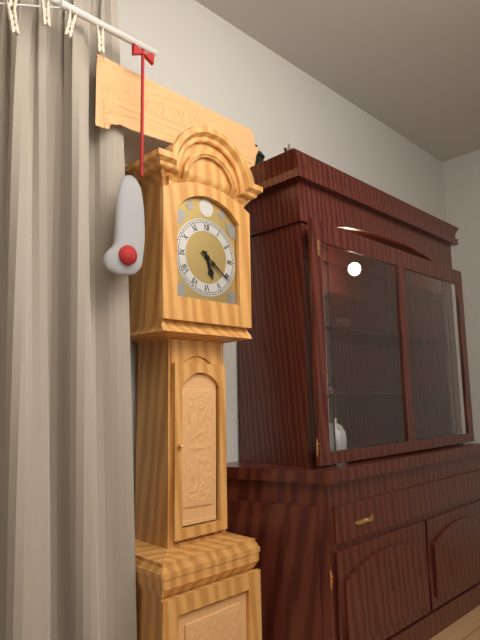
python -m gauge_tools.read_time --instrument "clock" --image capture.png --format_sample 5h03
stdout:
5h21
